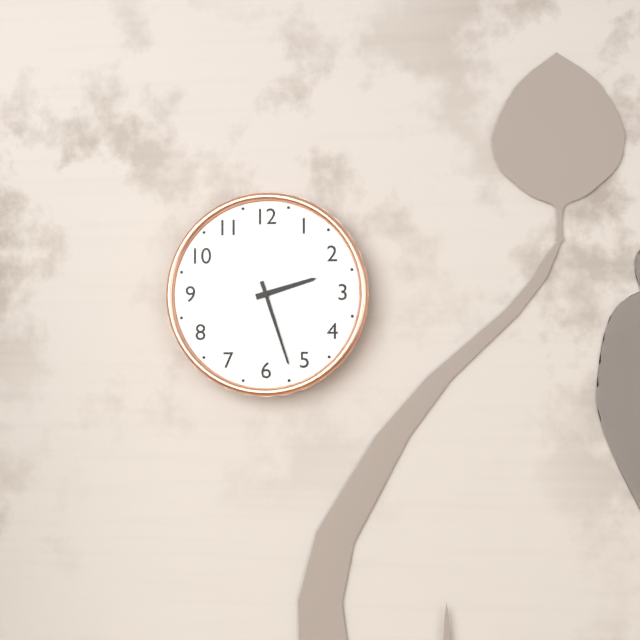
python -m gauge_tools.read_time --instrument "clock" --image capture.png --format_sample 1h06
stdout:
2h27
